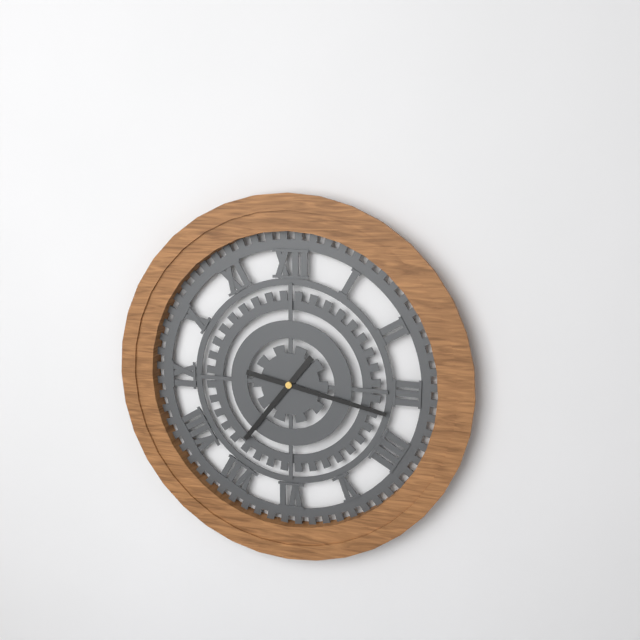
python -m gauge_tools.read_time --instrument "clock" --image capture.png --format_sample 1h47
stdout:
7h17
